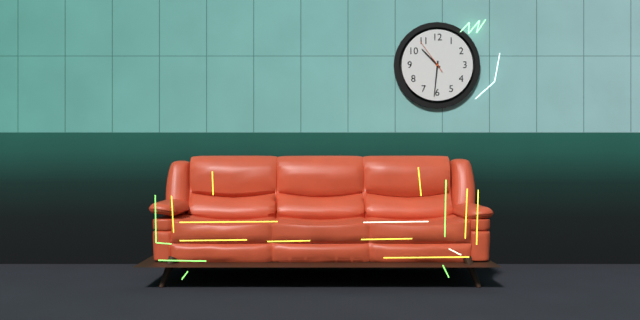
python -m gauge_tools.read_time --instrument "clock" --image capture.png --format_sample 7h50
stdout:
10h31
